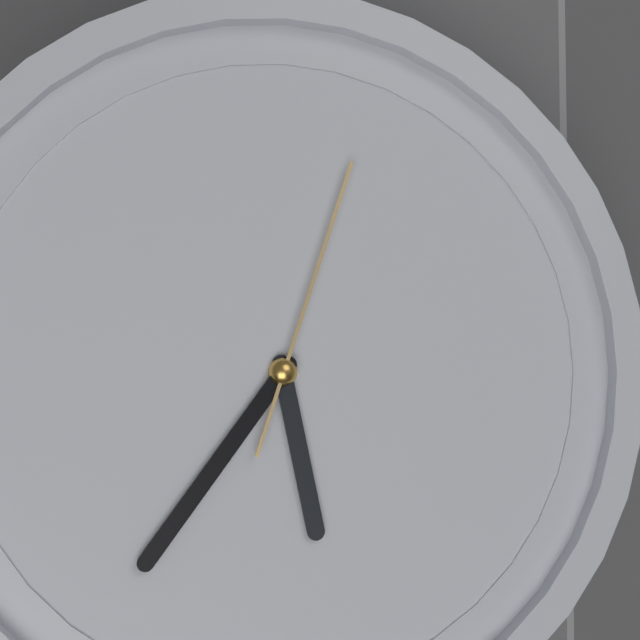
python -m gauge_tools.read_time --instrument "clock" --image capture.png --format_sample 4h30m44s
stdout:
5h36m03s
